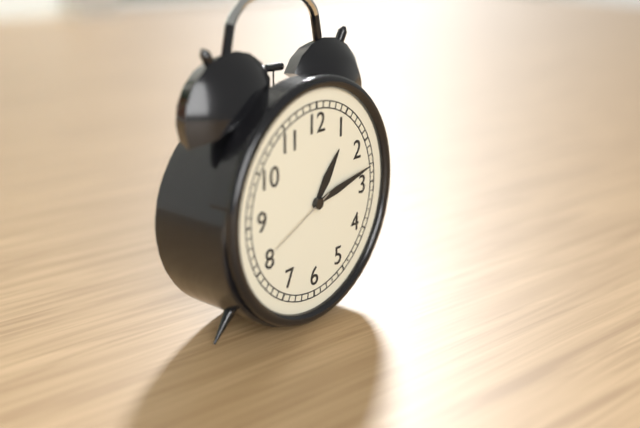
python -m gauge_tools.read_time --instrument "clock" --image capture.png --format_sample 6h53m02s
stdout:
1h13m41s
